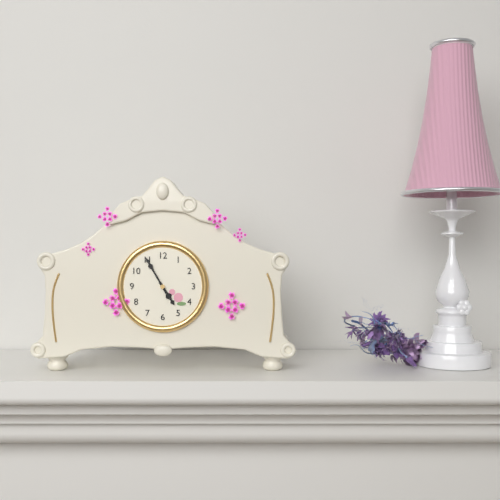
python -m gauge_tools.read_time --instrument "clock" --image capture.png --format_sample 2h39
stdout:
4h55
